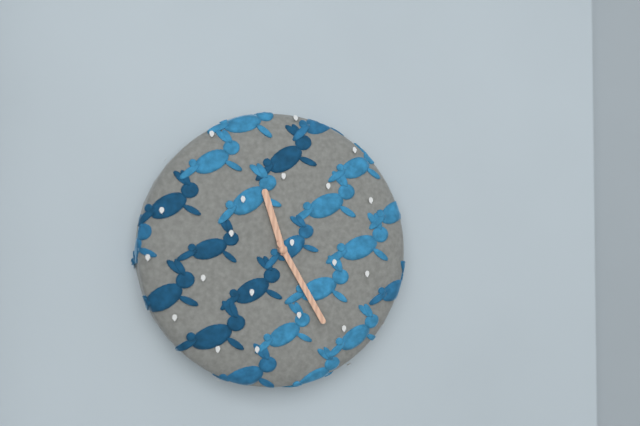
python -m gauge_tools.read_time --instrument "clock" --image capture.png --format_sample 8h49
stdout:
11h25
